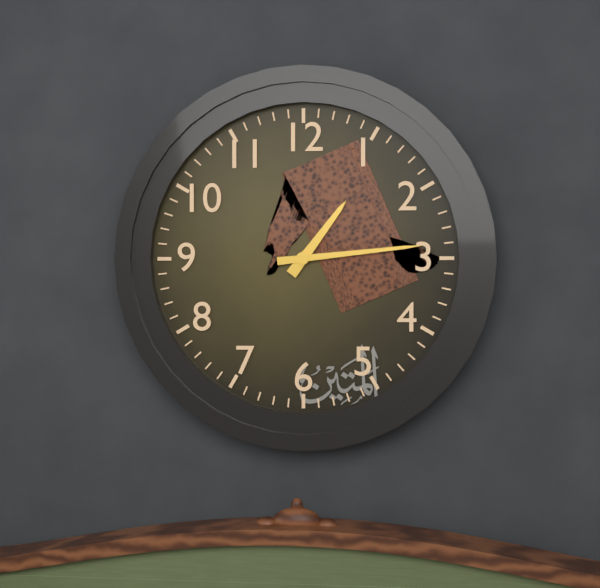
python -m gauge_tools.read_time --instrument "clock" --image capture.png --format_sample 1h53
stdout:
1h14
